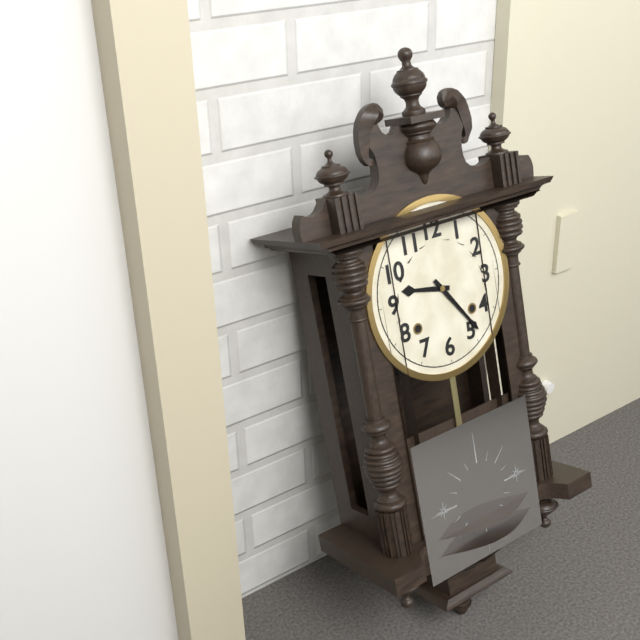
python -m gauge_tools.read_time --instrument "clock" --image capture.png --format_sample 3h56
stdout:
9h24
